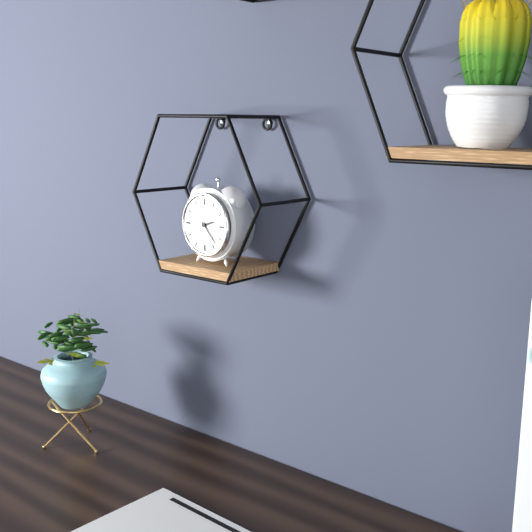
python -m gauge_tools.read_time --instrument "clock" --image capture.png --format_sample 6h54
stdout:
2h23
